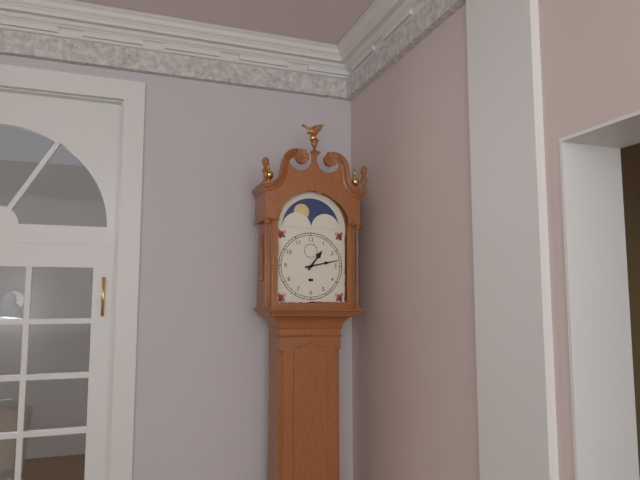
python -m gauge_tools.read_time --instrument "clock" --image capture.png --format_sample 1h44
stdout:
1h13
